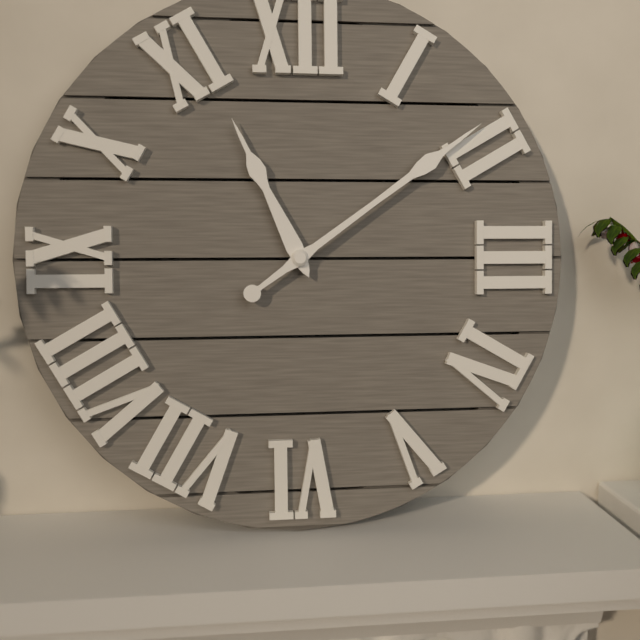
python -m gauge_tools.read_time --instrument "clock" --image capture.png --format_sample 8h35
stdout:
11h09
